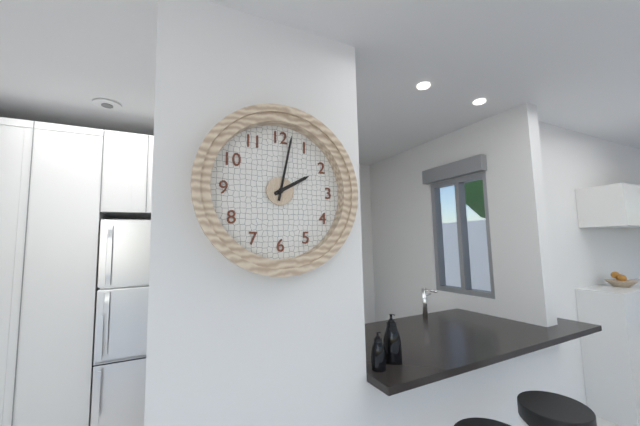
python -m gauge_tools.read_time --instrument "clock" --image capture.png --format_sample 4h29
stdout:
2h02
